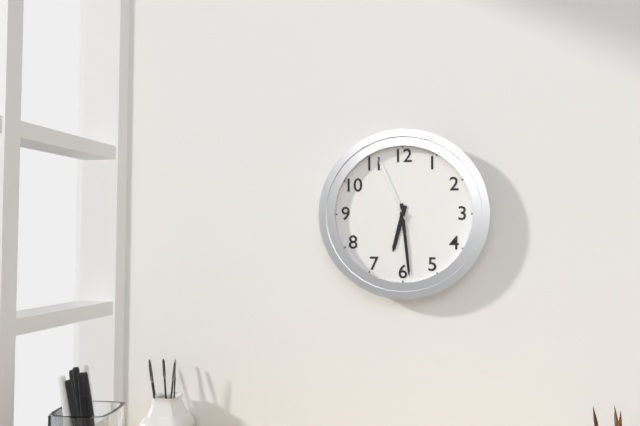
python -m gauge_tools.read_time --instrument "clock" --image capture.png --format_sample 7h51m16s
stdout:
6h29m56s
